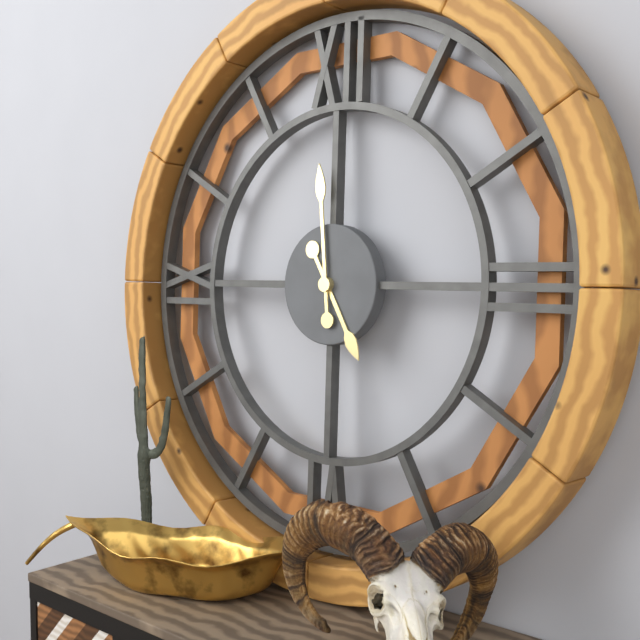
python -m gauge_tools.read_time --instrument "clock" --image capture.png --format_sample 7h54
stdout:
4h59
